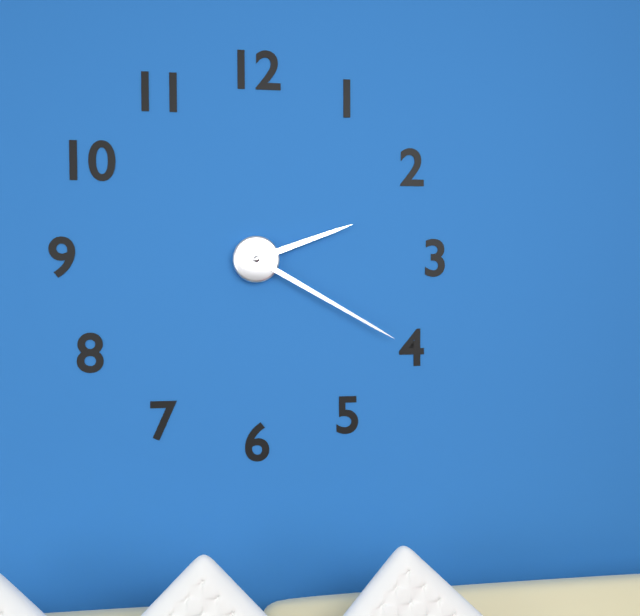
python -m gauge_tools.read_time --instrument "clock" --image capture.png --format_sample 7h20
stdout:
2h20
